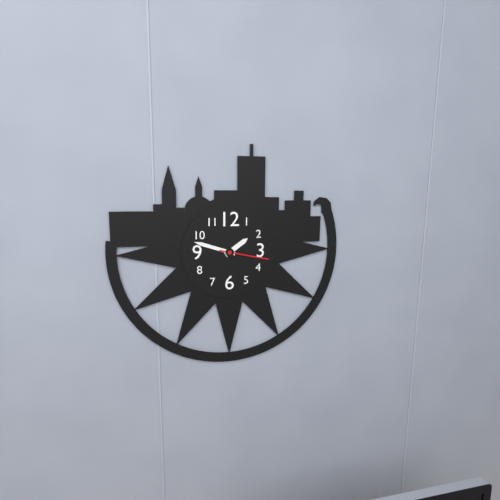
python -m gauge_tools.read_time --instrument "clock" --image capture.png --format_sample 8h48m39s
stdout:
1h48m17s
